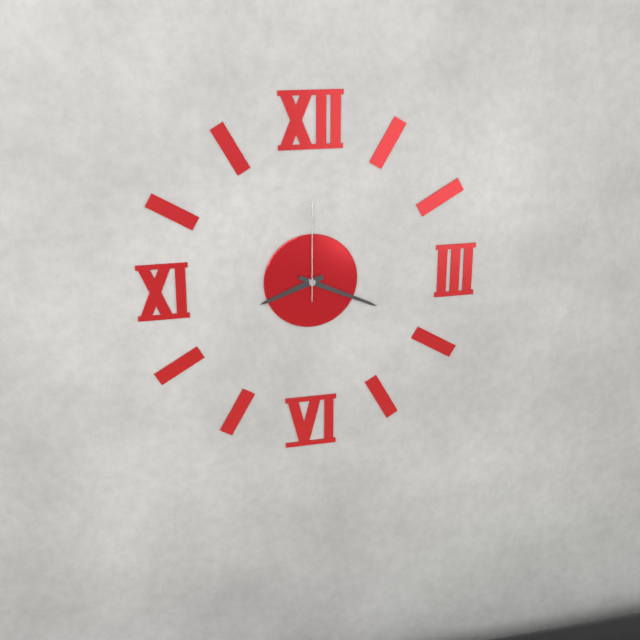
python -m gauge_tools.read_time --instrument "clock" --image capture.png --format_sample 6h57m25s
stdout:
8h19m00s
